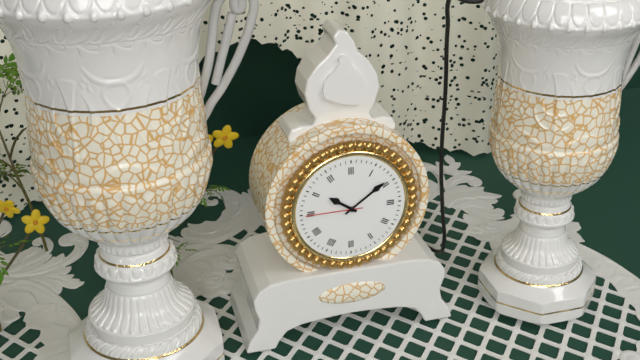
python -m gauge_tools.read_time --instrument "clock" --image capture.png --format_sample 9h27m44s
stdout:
10h09m45s
